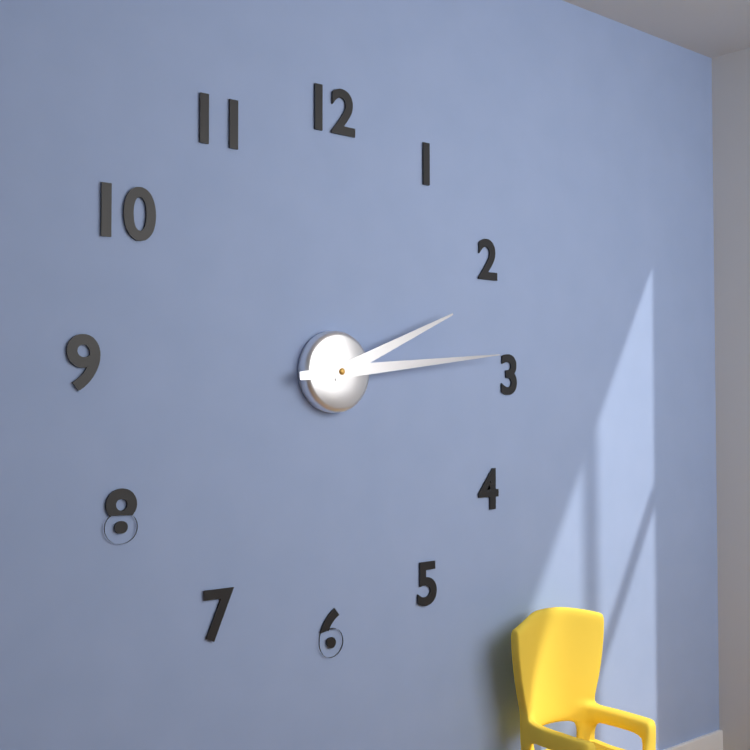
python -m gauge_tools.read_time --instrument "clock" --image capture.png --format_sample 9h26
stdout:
2h14
